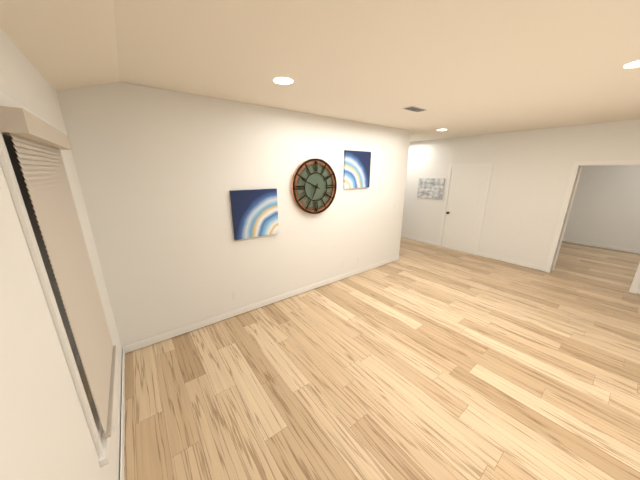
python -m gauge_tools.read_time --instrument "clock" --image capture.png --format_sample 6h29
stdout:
6h49
